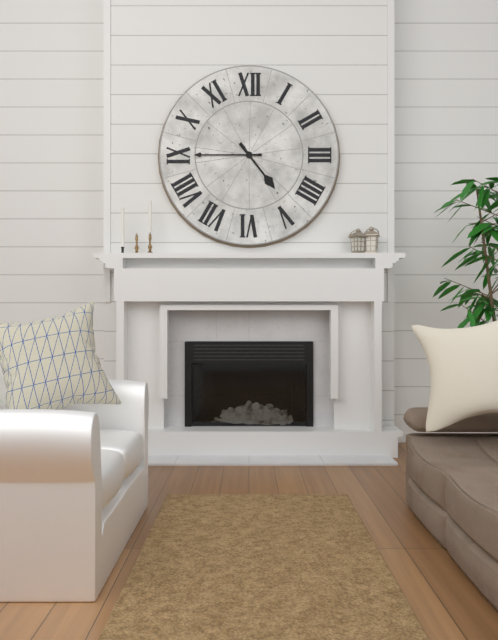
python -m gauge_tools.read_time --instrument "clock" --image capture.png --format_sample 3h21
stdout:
4h45
